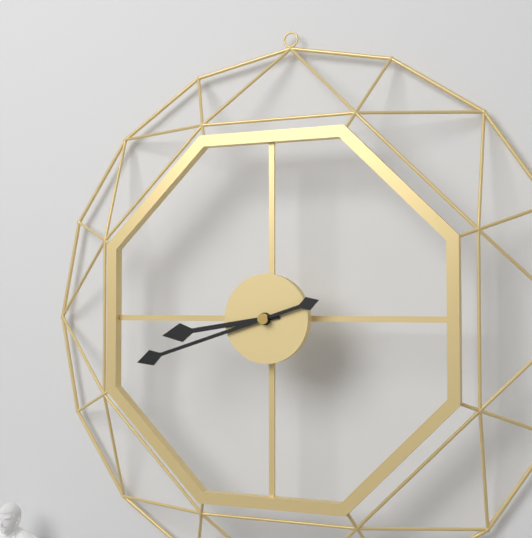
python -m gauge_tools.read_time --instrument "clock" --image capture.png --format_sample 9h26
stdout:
8h42
